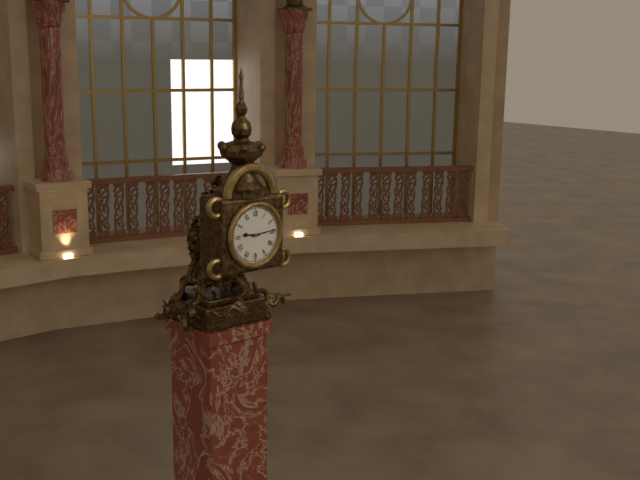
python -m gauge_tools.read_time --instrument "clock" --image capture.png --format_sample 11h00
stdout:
9h14
